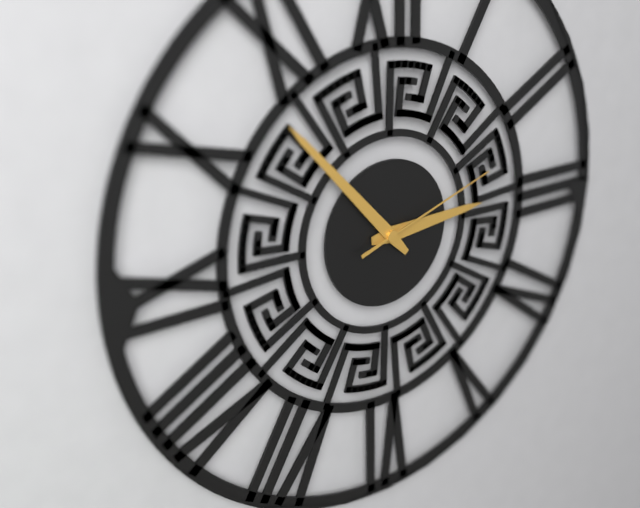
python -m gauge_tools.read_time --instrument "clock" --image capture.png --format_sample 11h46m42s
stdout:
2h53m12s
